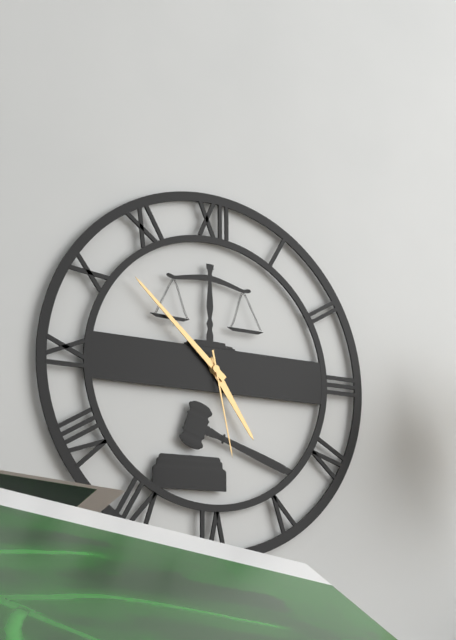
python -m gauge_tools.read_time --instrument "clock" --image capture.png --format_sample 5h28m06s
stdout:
4h52m28s
